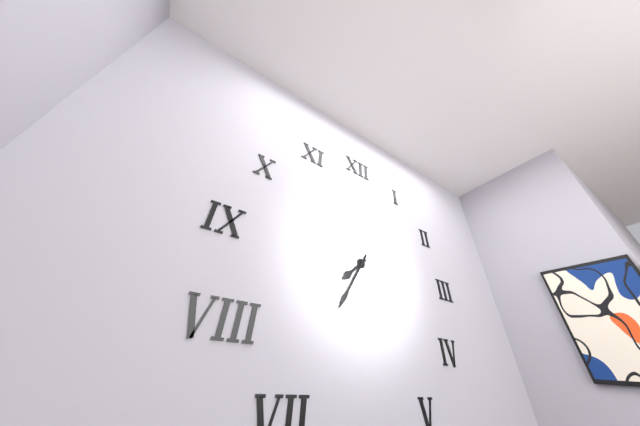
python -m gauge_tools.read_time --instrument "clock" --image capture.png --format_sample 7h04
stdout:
7h35
